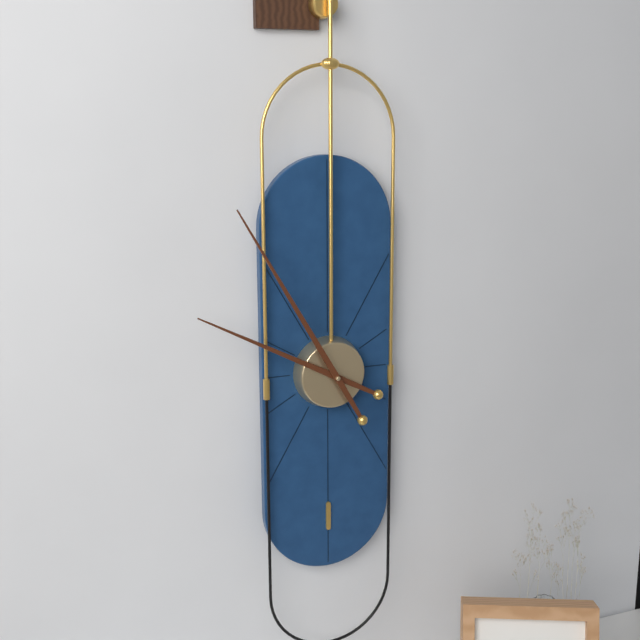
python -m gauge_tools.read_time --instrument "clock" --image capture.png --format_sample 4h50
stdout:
9h55
